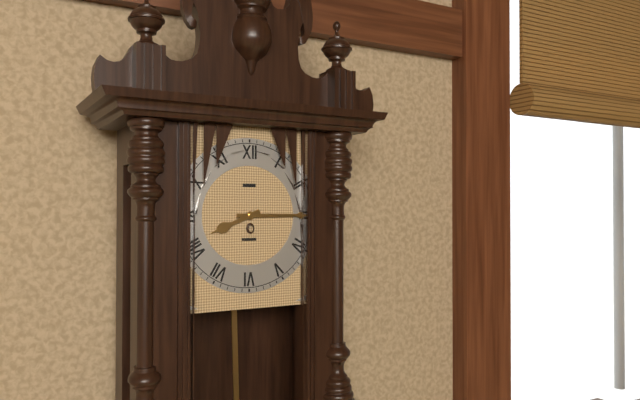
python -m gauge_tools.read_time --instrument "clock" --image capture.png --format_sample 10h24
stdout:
8h15
